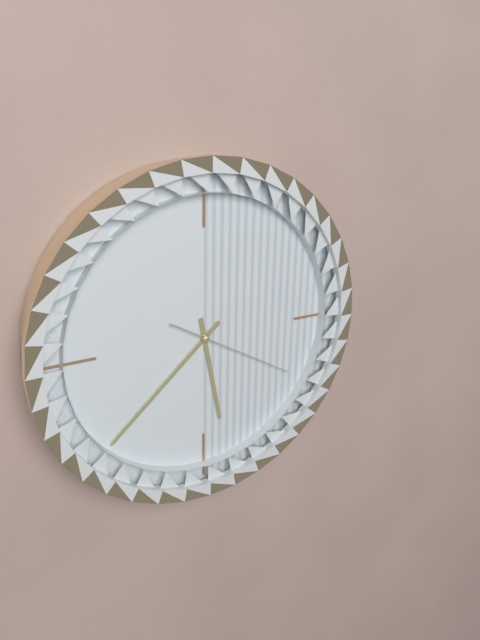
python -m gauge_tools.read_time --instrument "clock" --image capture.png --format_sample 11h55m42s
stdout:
5h38m20s
